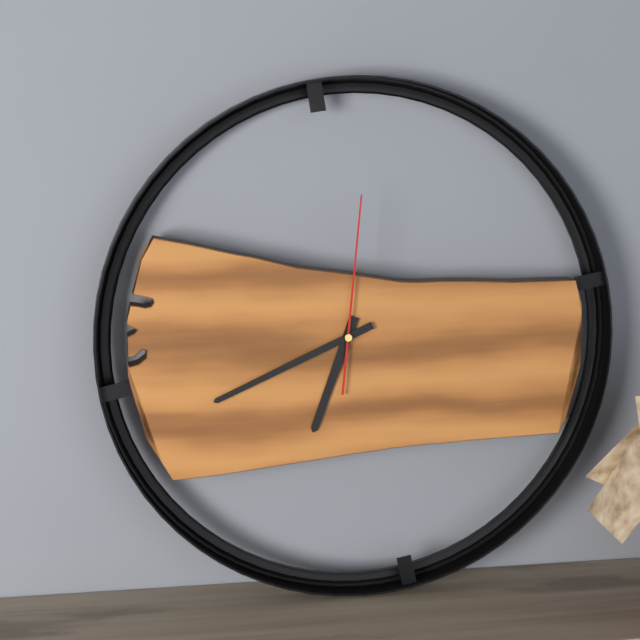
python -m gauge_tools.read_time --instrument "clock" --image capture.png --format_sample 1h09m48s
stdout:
6h41m01s
